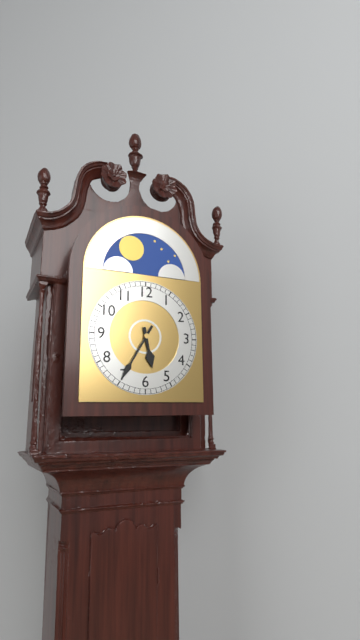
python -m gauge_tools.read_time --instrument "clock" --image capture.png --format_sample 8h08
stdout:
5h35
